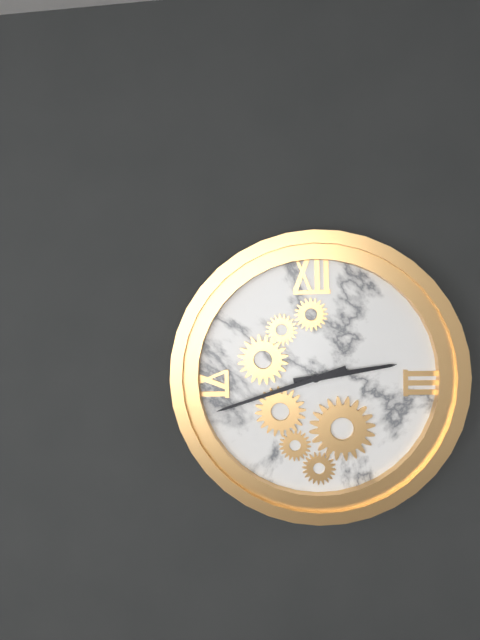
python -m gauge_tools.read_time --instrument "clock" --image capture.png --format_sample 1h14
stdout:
2h42
